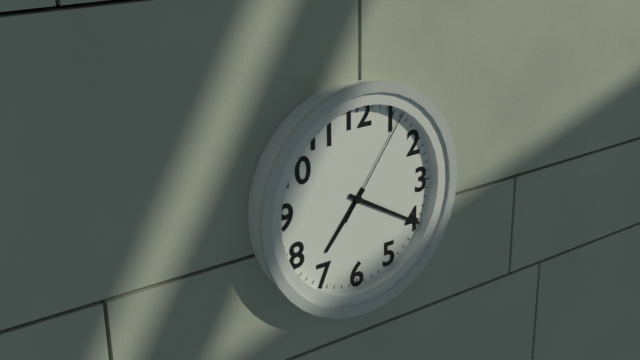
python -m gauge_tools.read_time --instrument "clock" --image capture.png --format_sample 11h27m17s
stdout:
7h20m06s
